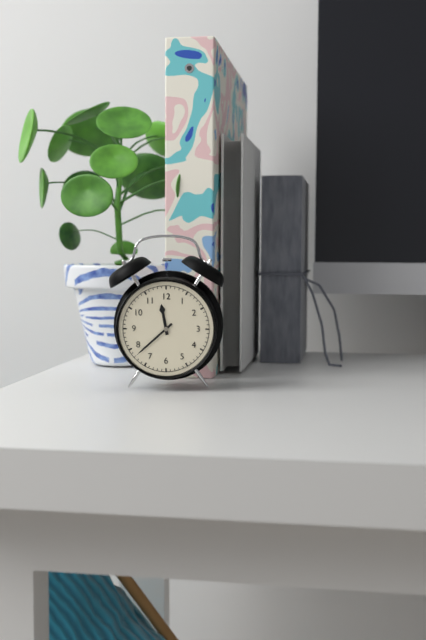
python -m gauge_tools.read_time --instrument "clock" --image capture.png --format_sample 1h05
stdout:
11h38
